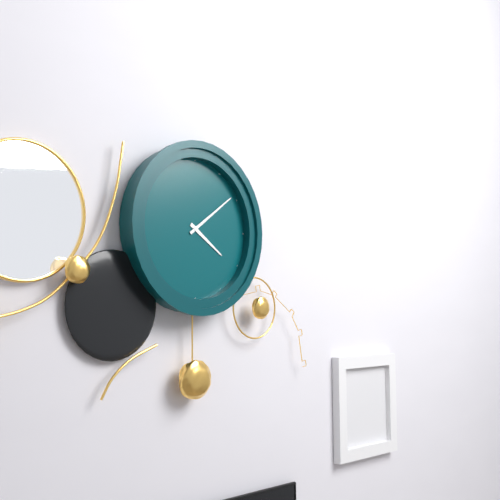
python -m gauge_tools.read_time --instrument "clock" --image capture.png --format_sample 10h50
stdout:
4h09
